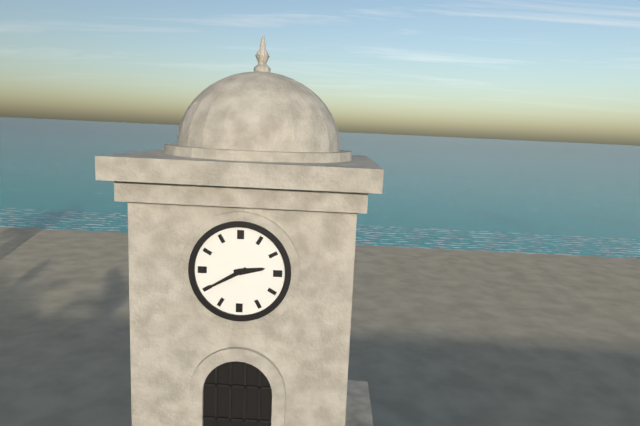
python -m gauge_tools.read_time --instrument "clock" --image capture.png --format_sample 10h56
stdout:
2h40
